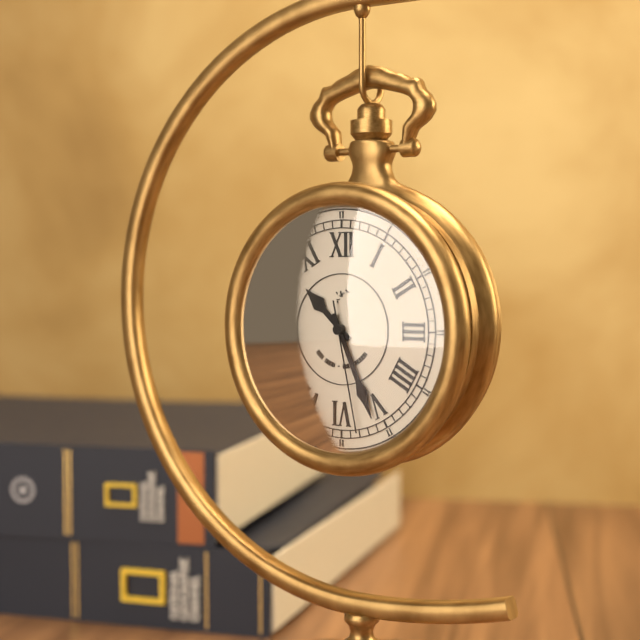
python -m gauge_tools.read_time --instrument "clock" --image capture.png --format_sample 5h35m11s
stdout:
10h26m28s
